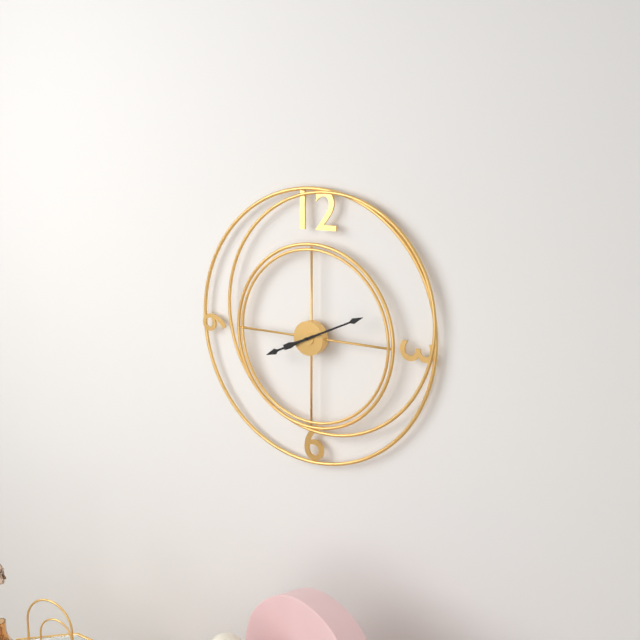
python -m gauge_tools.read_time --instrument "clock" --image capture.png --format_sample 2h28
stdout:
8h11
